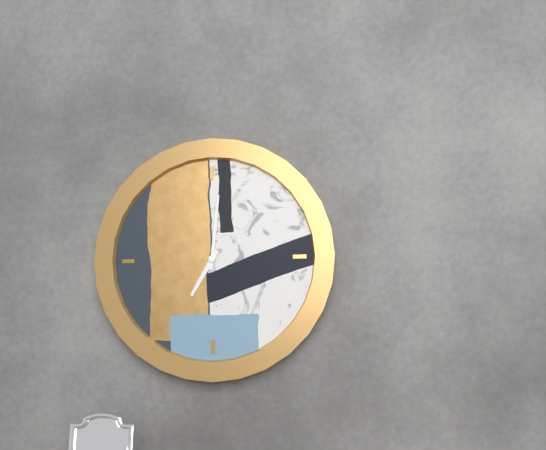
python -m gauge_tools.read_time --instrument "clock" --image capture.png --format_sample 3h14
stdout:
7h01
